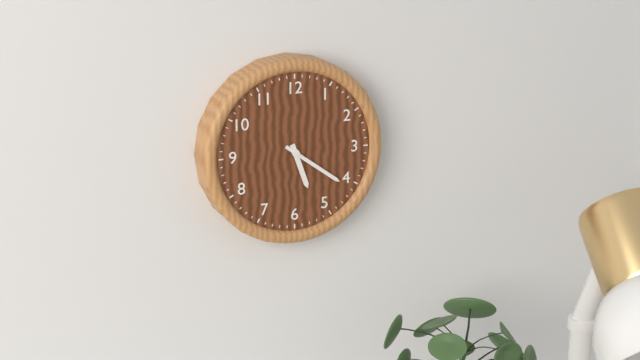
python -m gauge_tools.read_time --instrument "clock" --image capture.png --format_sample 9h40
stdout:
5h21
